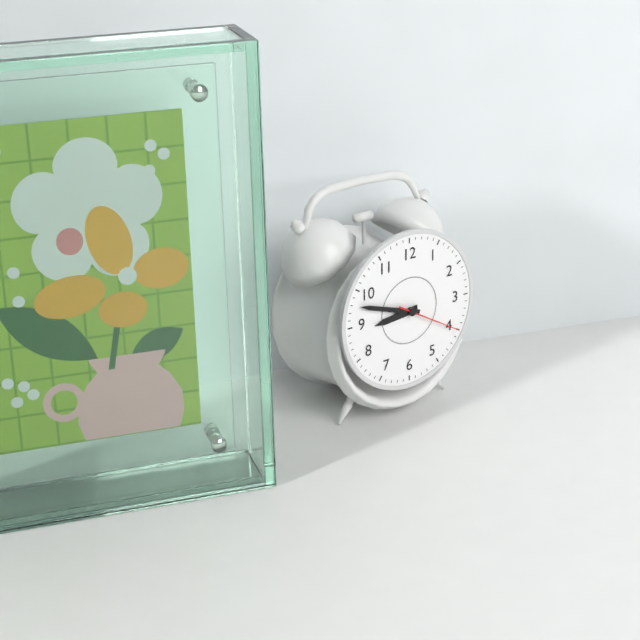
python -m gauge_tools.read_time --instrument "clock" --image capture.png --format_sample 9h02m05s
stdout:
8h48m20s
